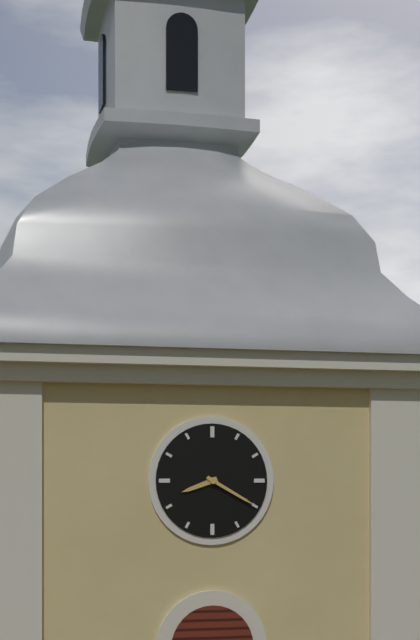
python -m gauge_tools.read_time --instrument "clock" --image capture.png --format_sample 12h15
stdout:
8h20
